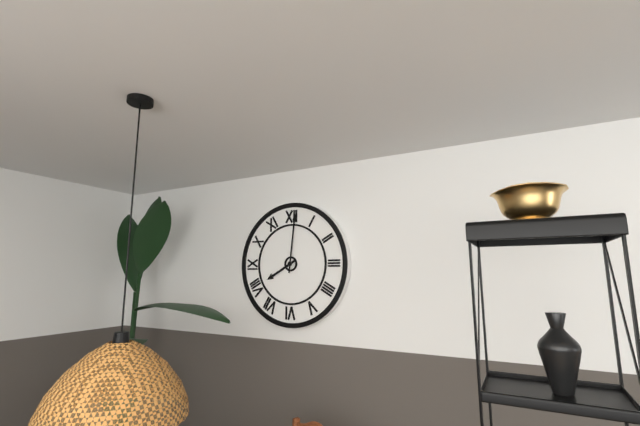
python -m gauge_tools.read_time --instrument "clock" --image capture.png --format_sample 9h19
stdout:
8h01
